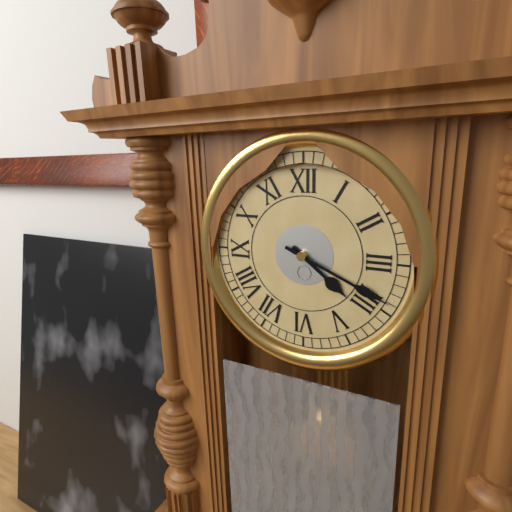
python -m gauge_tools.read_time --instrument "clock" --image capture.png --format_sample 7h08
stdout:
4h19
